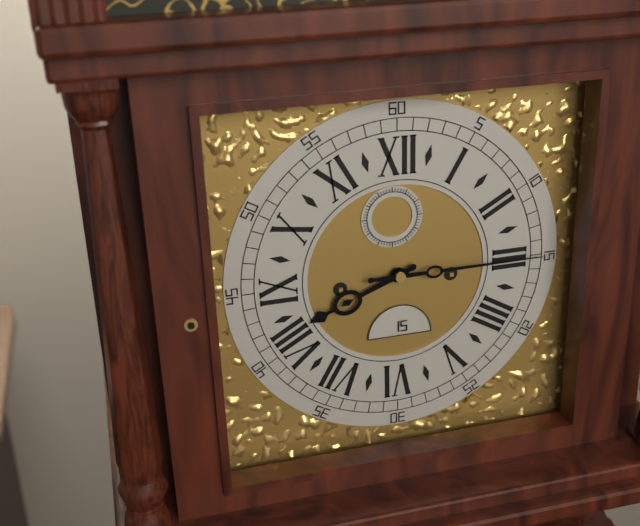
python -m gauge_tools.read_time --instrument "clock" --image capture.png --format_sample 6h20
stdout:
8h15
